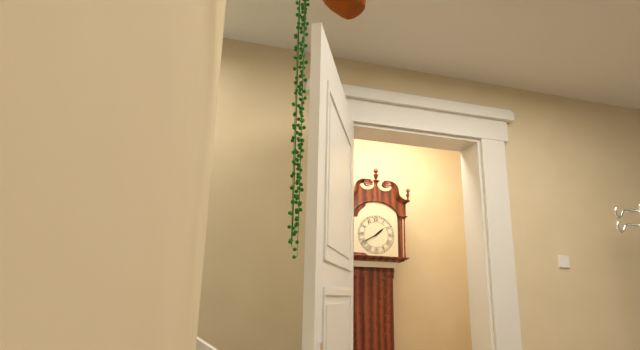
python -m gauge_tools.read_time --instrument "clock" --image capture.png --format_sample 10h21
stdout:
1h40
